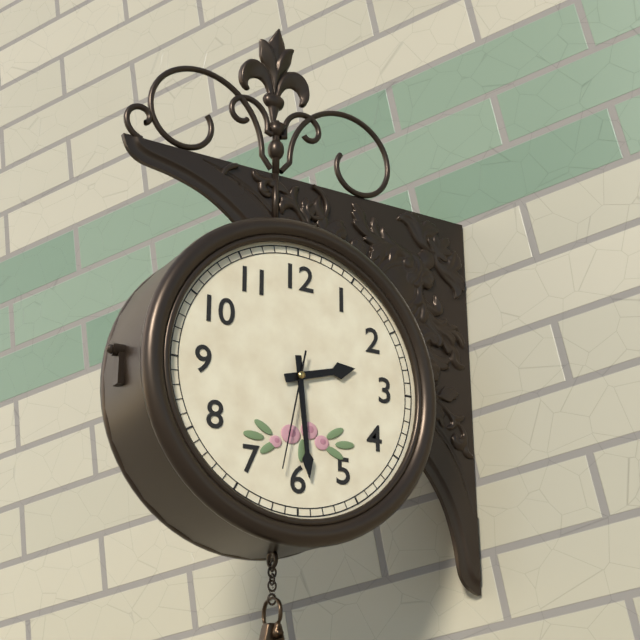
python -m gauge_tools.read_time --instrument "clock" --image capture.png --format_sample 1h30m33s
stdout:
2h29m32s
